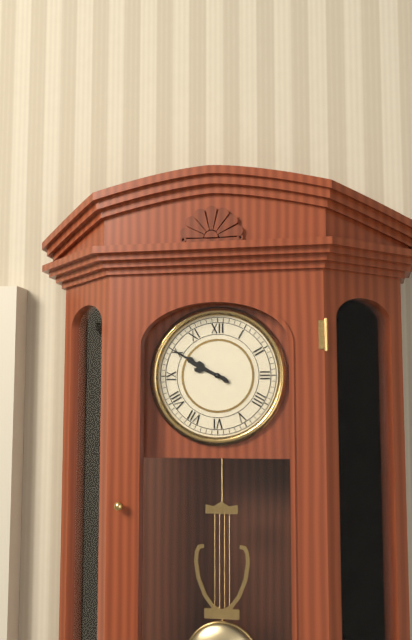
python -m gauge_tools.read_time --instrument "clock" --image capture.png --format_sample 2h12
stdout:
9h50
